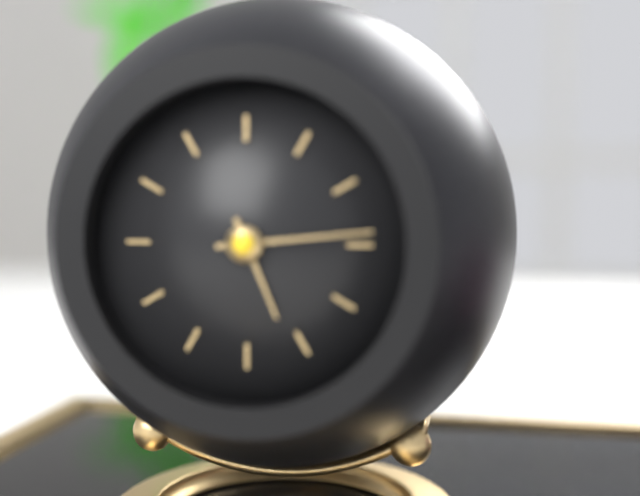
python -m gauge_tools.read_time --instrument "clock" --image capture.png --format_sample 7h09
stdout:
5h14
